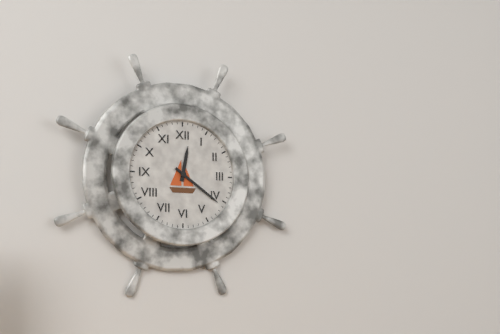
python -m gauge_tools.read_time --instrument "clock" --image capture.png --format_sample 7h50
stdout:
12h21
